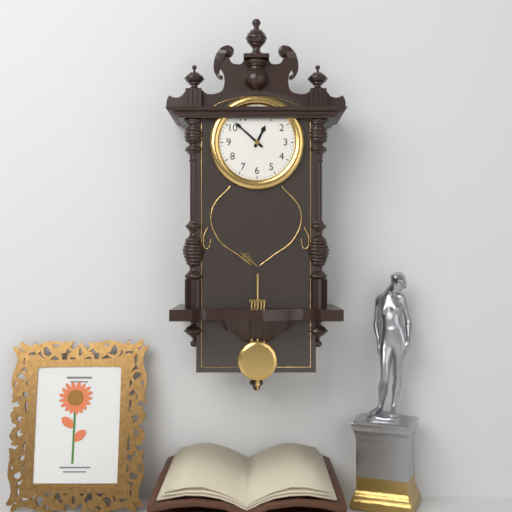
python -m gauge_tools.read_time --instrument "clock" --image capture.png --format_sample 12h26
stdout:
12h52
